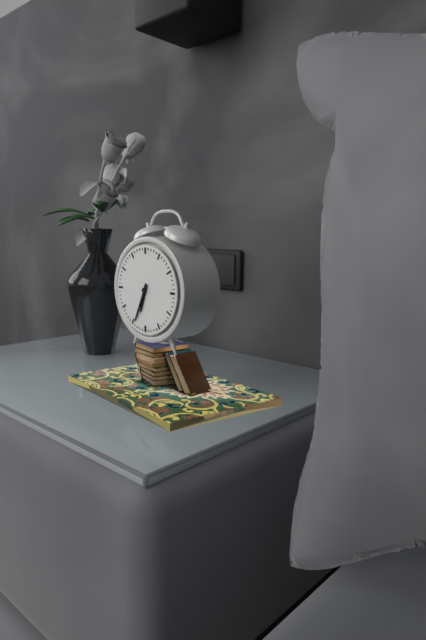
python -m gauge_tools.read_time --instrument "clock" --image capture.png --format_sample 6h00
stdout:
6h34
